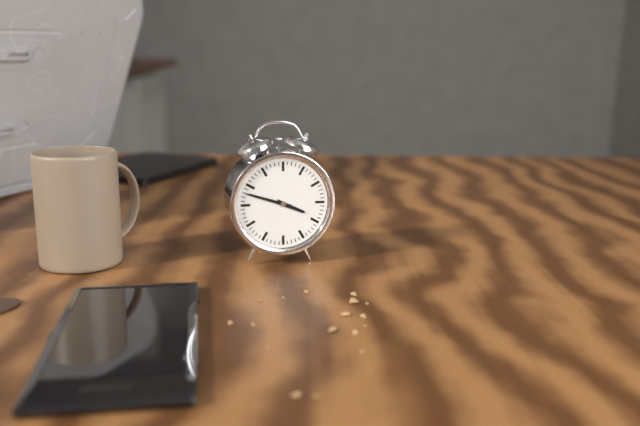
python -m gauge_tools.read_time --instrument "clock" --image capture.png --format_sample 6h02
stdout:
3h48
